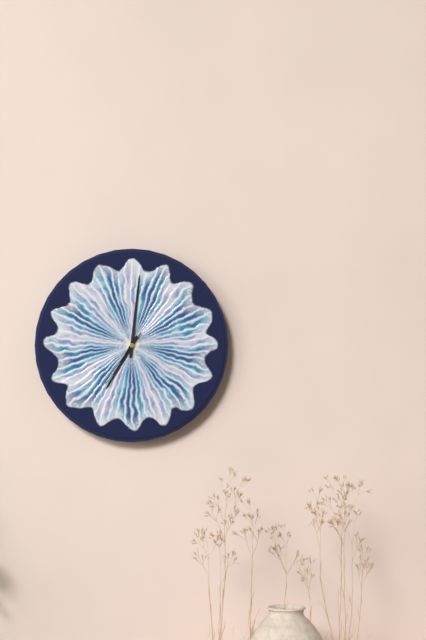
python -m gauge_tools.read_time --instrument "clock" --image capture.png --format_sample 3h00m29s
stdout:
7h01m36s
